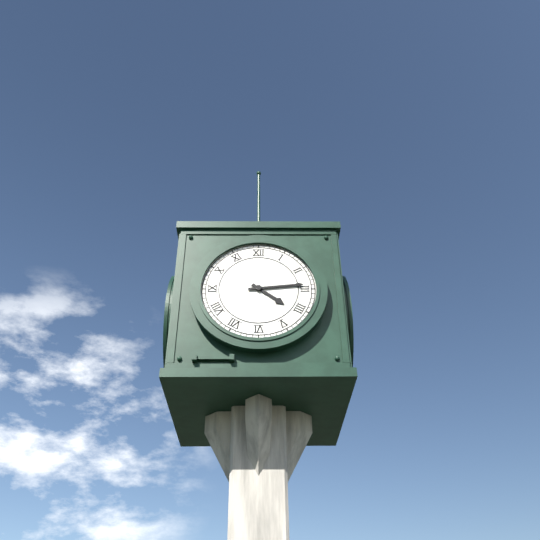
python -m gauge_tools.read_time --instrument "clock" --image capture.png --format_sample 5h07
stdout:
4h14
